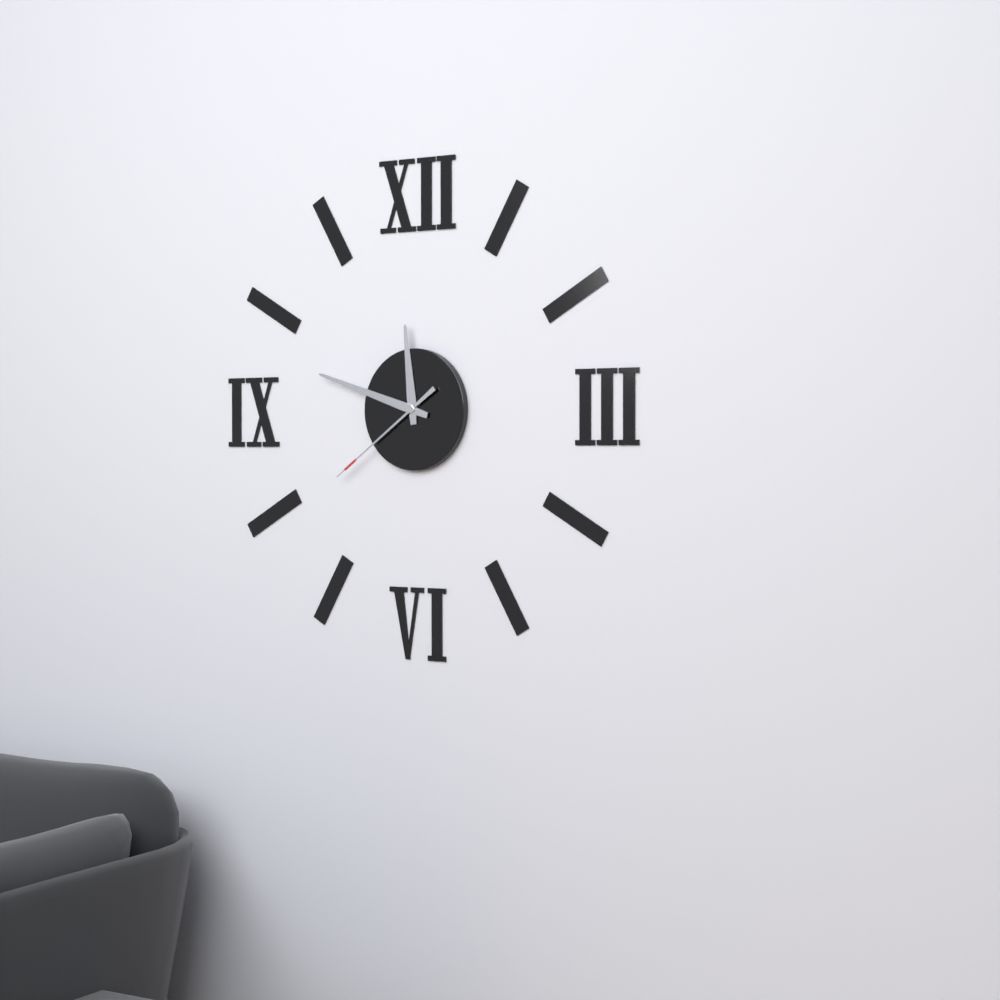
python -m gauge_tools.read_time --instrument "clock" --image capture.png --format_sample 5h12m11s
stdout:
11h48m39s
